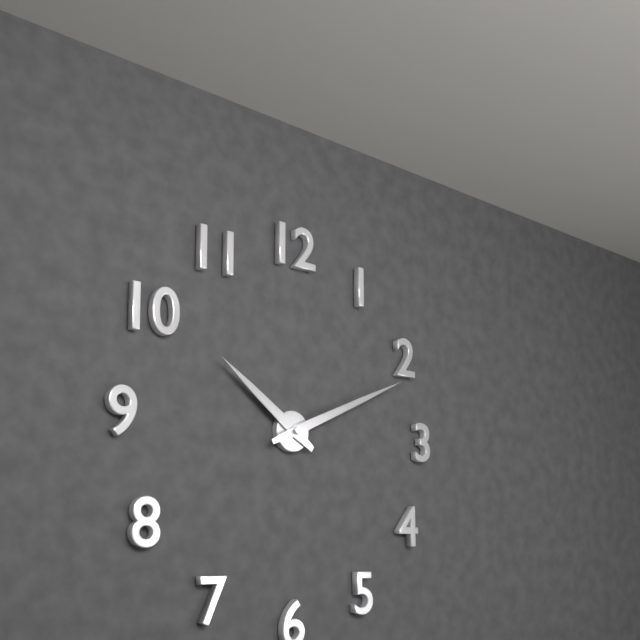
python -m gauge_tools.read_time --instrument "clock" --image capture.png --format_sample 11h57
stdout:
10h11
